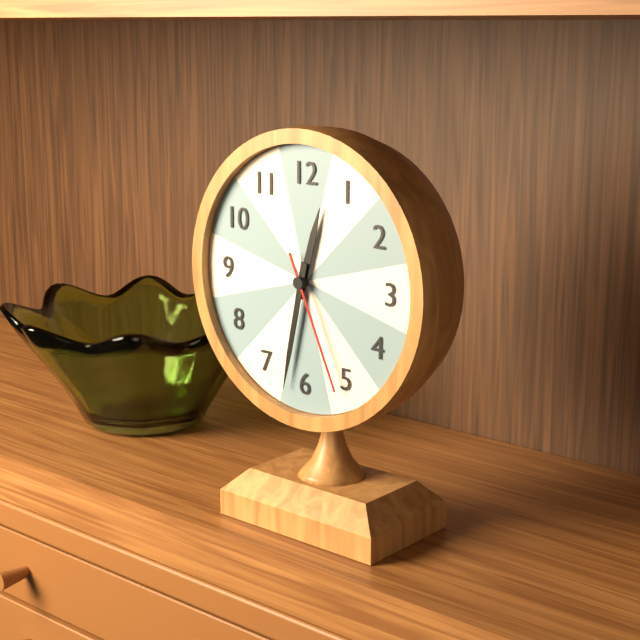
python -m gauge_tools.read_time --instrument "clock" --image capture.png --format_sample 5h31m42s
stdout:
12h32m26s
